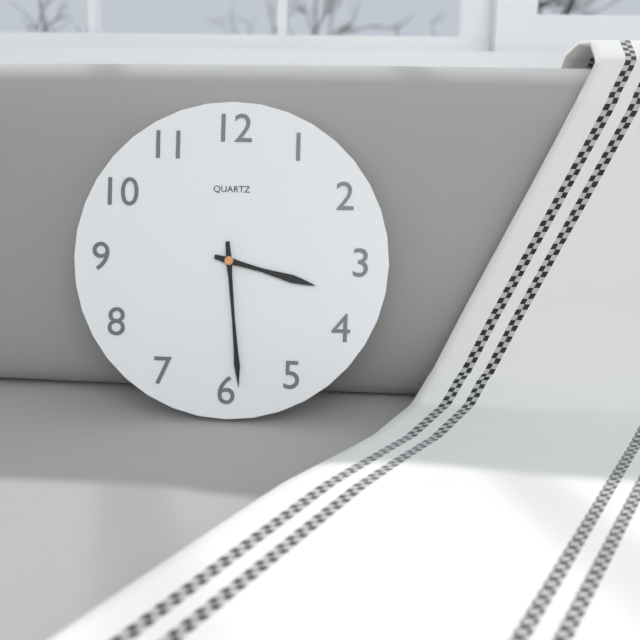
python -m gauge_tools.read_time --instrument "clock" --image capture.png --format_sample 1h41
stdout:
3h29
